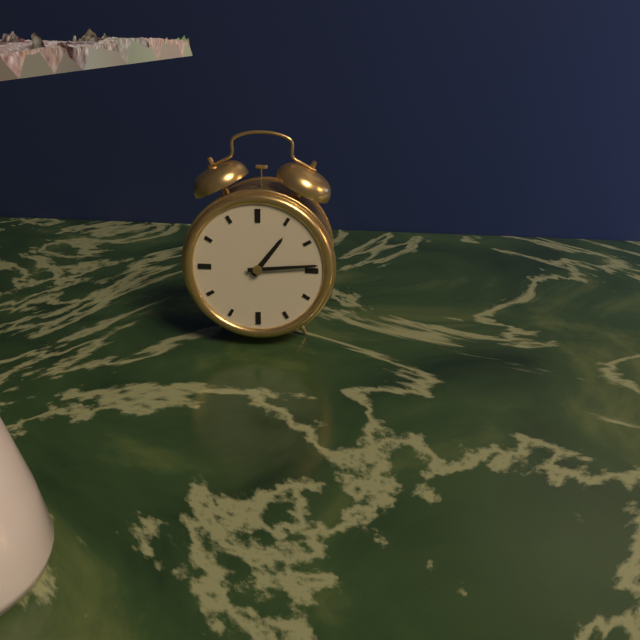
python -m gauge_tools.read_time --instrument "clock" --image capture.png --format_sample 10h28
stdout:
1h14
